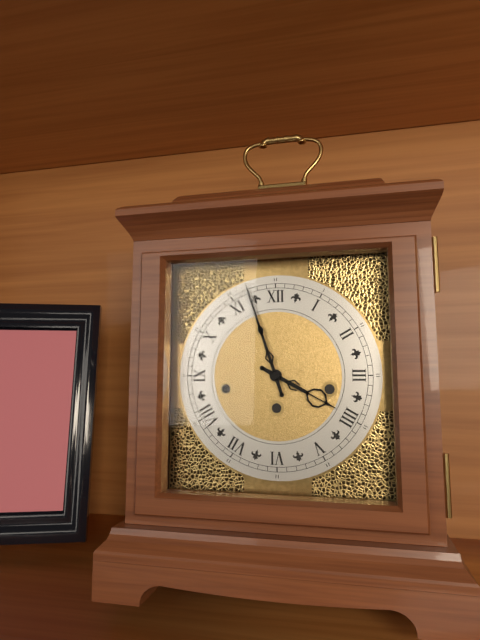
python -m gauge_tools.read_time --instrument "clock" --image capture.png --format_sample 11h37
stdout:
3h57
